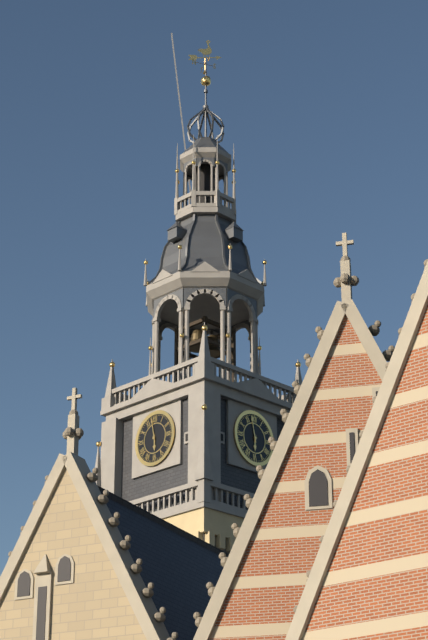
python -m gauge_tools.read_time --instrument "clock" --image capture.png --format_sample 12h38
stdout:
5h58
